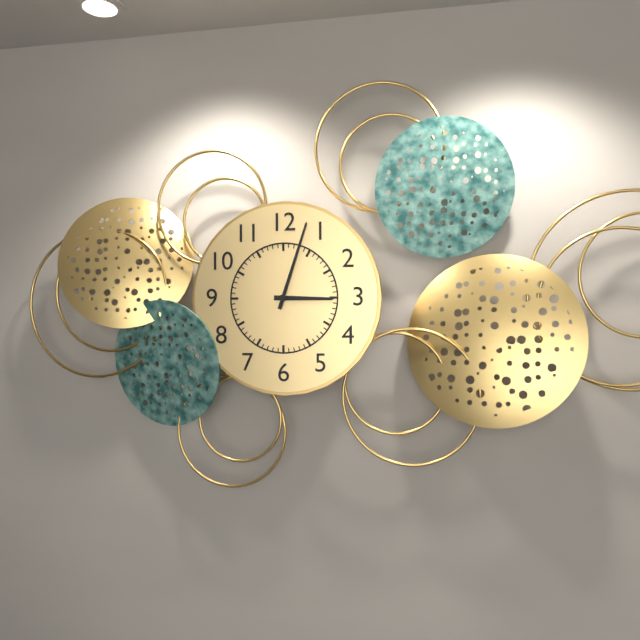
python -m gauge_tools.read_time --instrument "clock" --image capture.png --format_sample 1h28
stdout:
3h03
